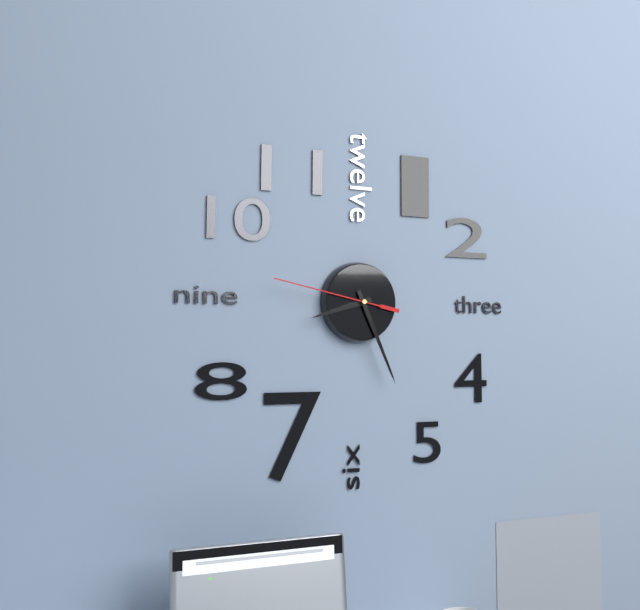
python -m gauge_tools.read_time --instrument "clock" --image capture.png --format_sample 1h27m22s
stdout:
8h26m47s
